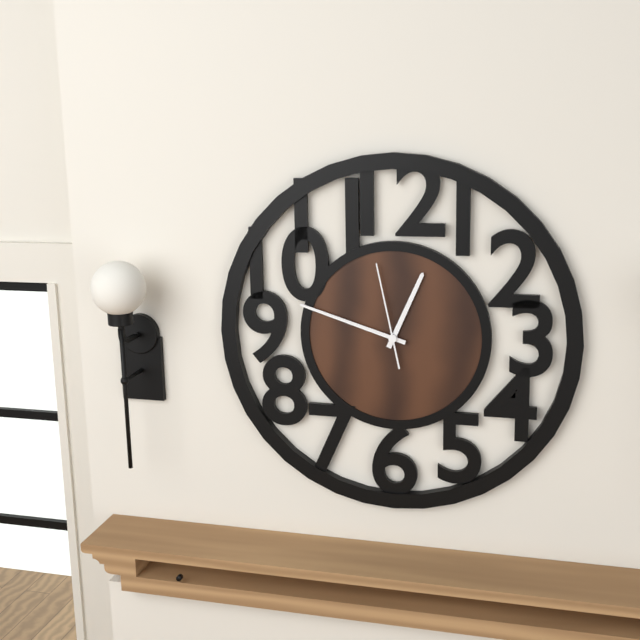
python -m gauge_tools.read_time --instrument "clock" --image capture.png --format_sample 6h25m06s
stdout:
12h48m58s
